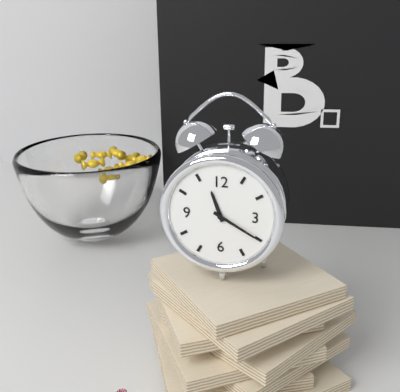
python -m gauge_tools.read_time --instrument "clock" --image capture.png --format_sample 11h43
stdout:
11h20
